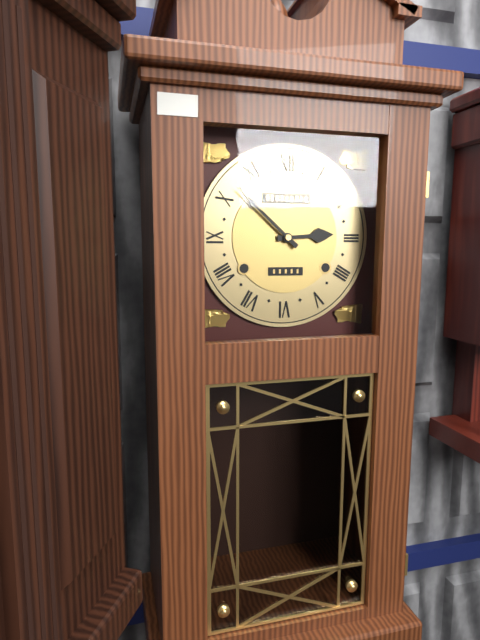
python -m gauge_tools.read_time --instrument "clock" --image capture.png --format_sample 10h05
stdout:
2h52
